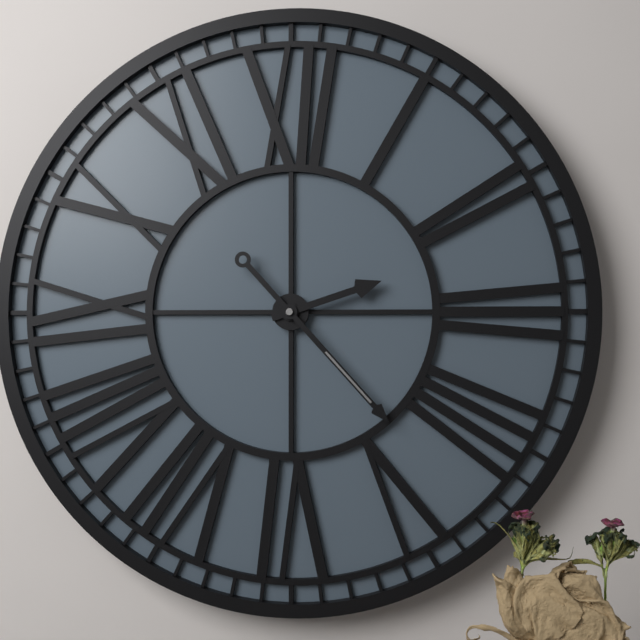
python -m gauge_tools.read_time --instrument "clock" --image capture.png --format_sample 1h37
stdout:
2h23
